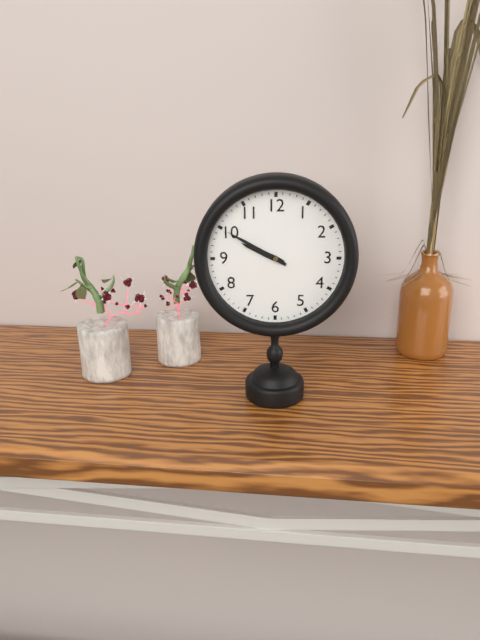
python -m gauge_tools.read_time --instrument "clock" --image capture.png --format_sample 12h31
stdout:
9h50
